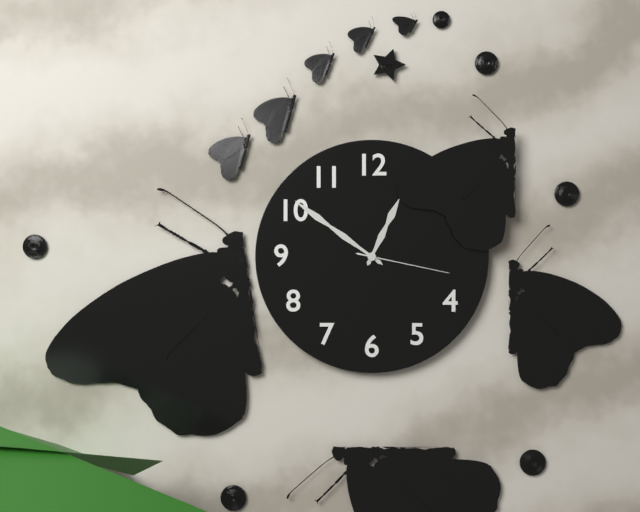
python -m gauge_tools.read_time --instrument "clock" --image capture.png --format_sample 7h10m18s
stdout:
12h51m17s
